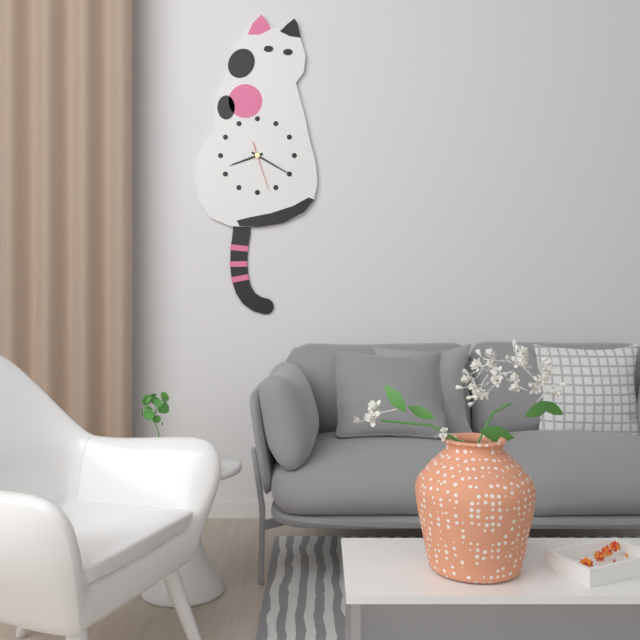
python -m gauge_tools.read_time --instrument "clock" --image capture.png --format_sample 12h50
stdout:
8h20
